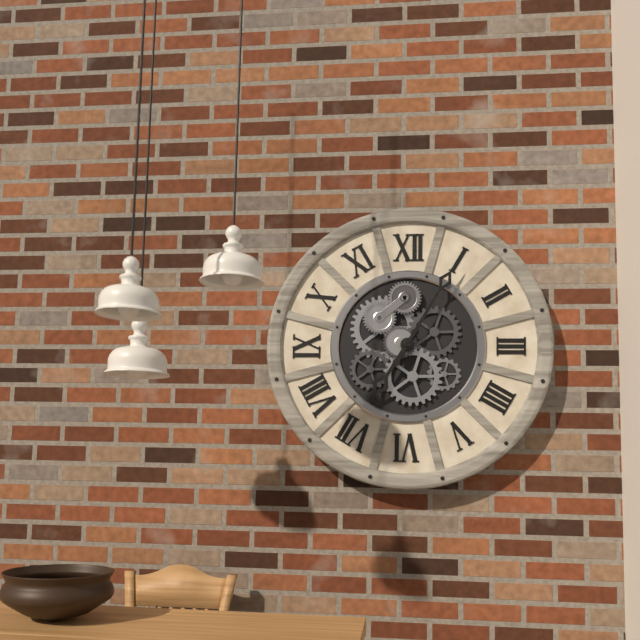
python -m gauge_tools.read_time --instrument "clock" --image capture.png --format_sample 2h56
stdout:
7h05
